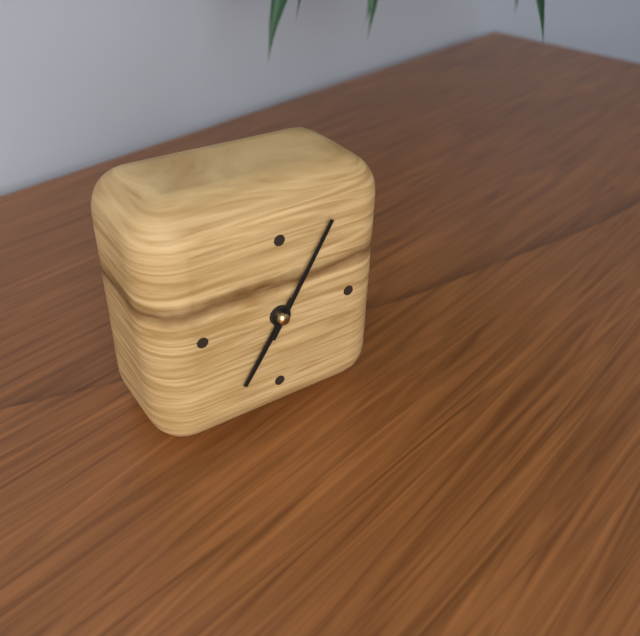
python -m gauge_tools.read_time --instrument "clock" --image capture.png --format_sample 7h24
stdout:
7h05
